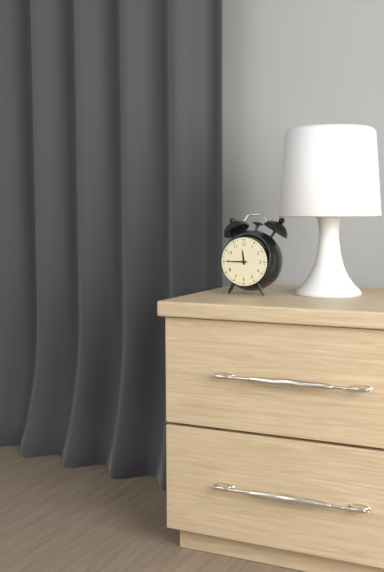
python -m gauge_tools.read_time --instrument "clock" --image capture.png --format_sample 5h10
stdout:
11h45
